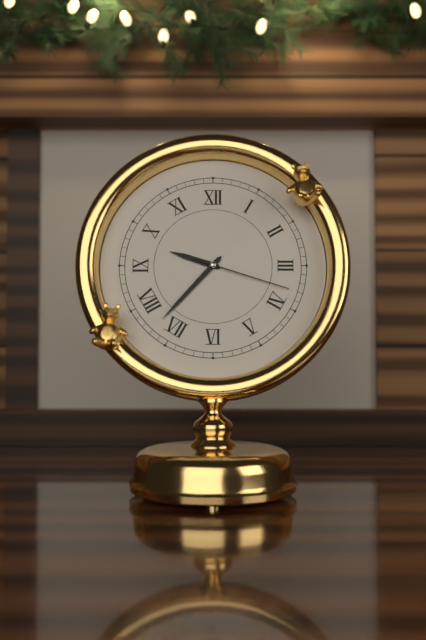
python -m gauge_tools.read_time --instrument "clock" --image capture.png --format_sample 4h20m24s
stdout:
9h37m18s
